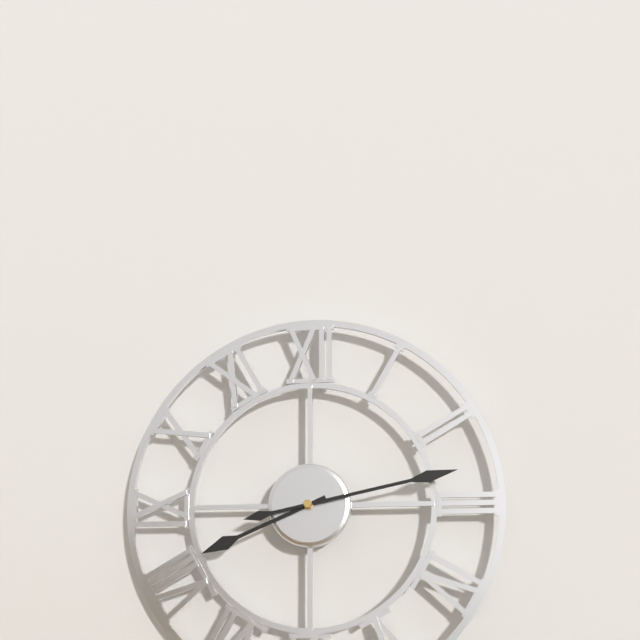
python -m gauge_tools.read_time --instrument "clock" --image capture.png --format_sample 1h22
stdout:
8h13
